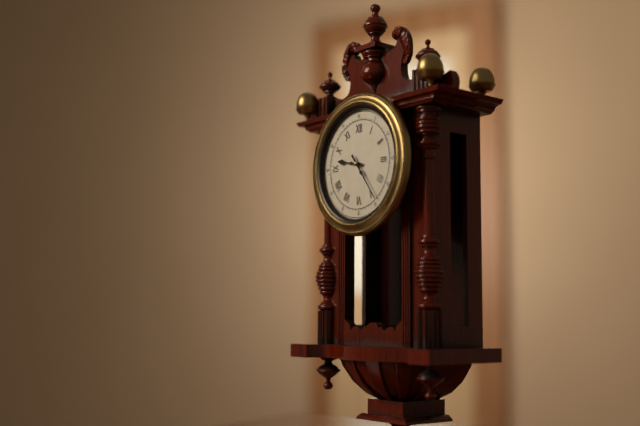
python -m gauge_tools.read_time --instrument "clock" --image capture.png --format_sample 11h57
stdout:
9h24
